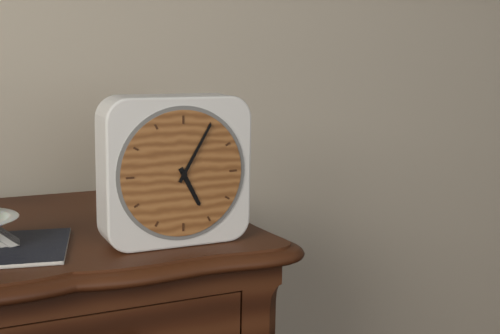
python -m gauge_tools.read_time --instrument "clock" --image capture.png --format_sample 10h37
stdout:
5h05
